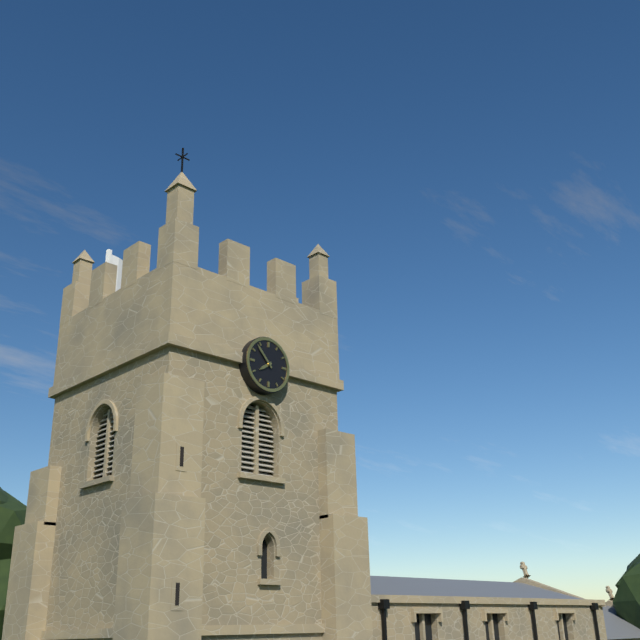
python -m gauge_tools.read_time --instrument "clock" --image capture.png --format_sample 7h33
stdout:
7h53
